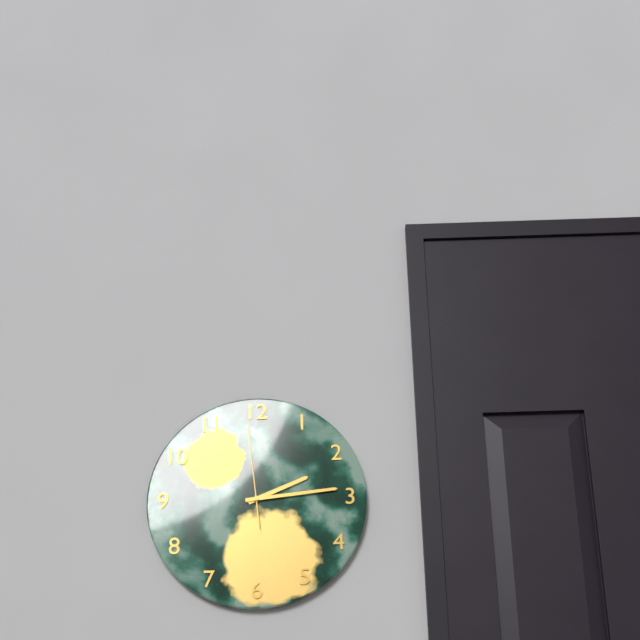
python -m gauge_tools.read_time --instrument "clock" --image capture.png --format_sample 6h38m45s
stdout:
2h14m59s
